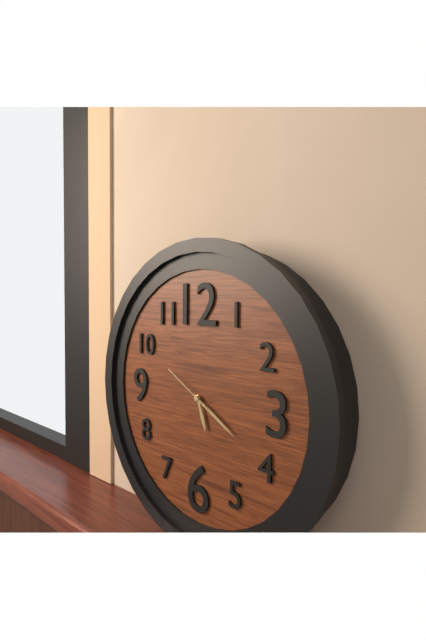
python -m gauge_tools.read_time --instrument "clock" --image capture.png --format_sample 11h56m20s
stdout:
5h20m50s
